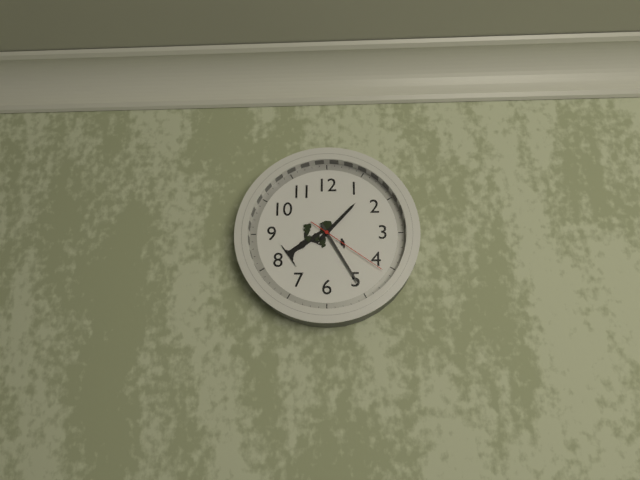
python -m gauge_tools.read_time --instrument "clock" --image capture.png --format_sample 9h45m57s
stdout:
1h25m21s
